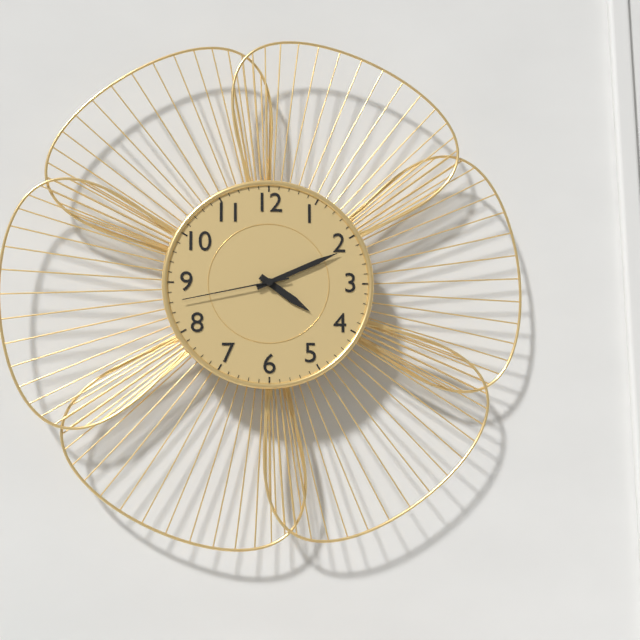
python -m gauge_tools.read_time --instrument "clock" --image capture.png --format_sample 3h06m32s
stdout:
4h11m43s
